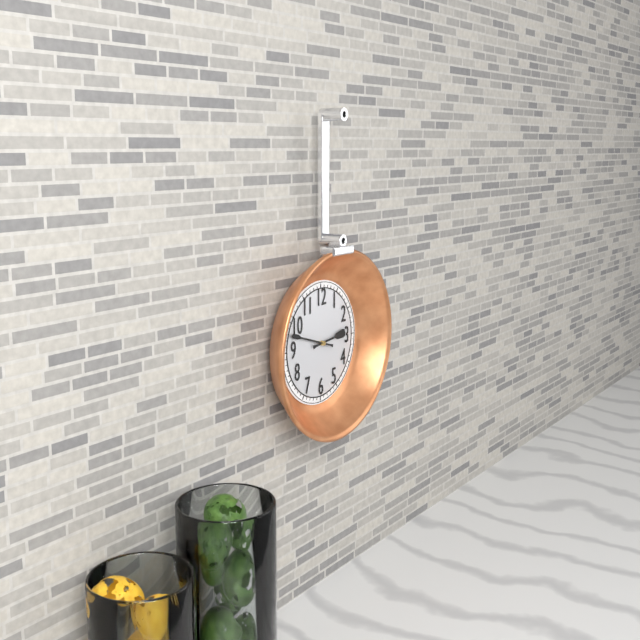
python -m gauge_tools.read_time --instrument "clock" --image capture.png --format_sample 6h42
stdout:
2h48
